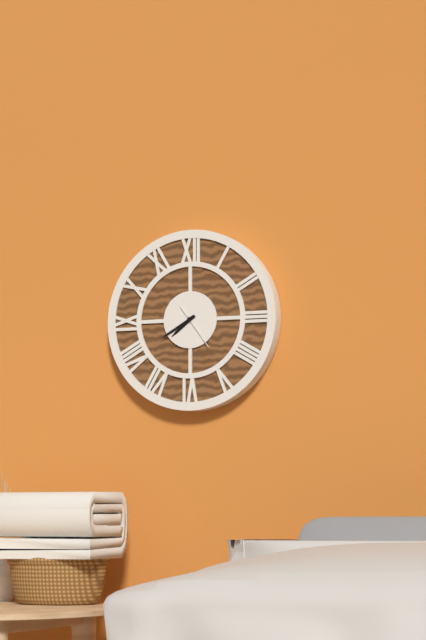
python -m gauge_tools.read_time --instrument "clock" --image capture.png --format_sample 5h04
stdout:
7h40
